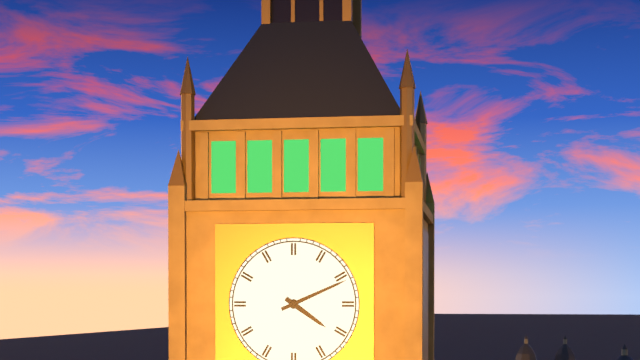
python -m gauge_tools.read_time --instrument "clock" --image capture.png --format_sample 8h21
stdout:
4h11
